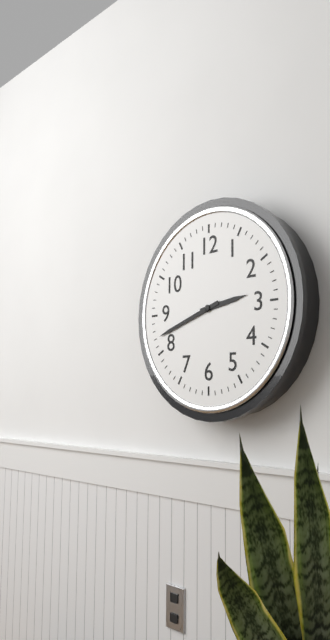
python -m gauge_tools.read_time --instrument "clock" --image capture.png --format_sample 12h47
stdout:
2h42
